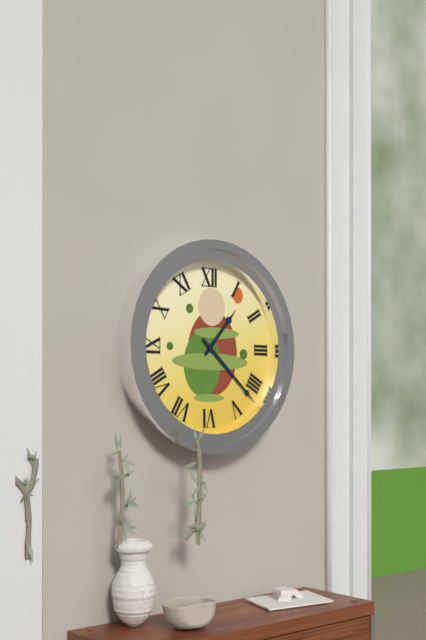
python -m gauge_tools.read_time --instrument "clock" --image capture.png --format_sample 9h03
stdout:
1h22
